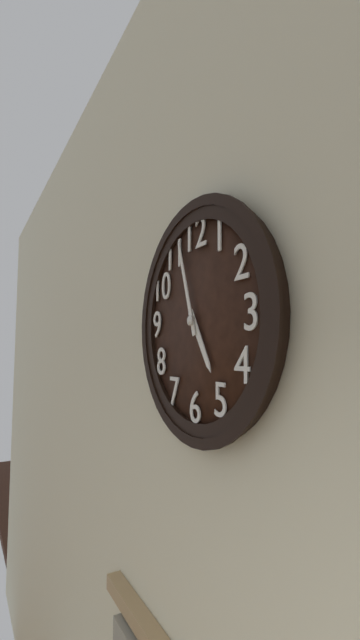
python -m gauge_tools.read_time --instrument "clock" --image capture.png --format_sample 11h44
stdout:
4h57
